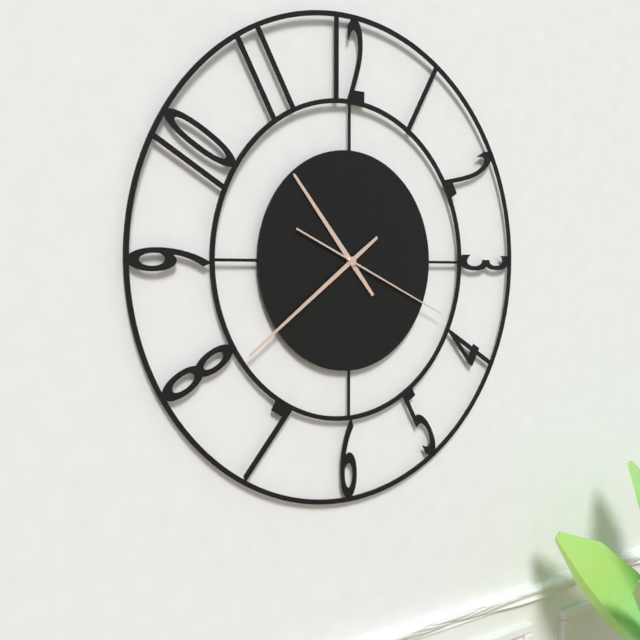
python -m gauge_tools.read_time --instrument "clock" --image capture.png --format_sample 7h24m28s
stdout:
10h39m19s
